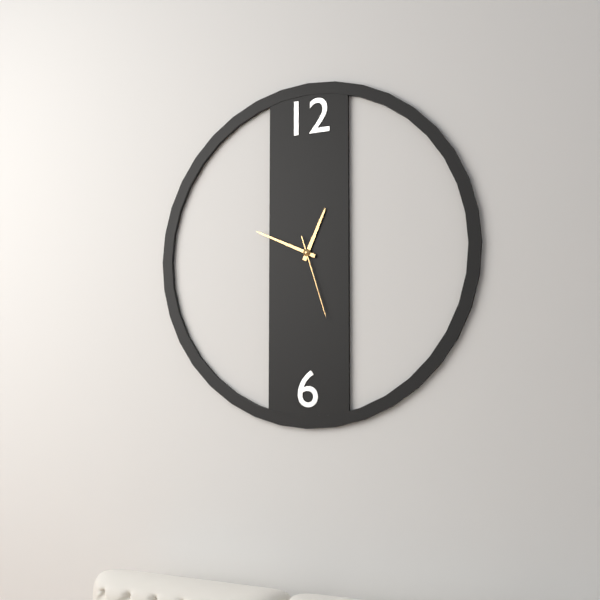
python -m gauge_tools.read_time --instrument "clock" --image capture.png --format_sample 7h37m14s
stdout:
12h49m27s
